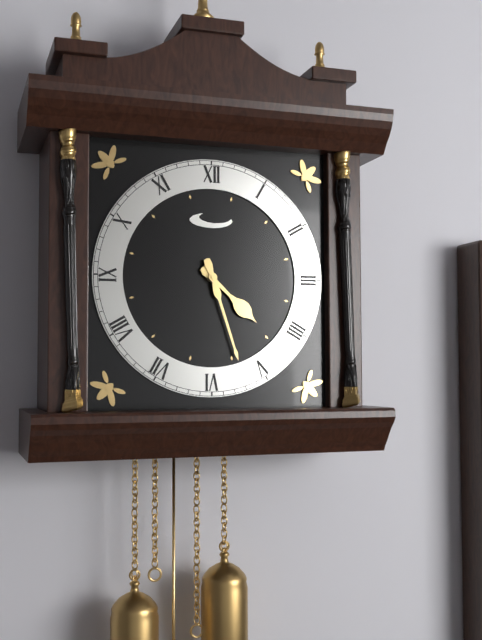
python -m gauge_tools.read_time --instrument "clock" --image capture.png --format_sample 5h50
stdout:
4h27
